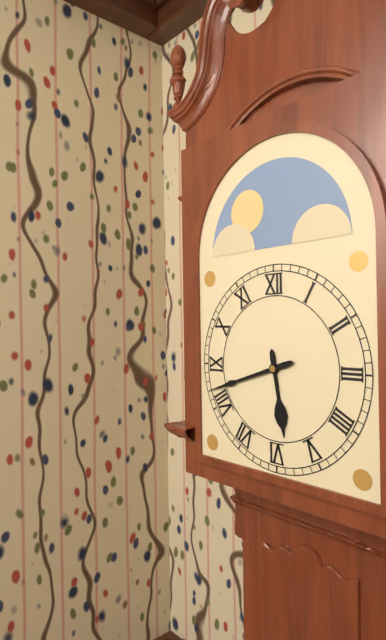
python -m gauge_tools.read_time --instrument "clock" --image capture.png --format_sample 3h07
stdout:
5h42
